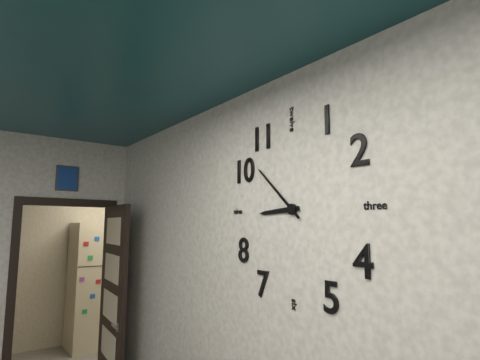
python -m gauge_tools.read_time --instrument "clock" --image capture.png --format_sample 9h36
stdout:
8h52
